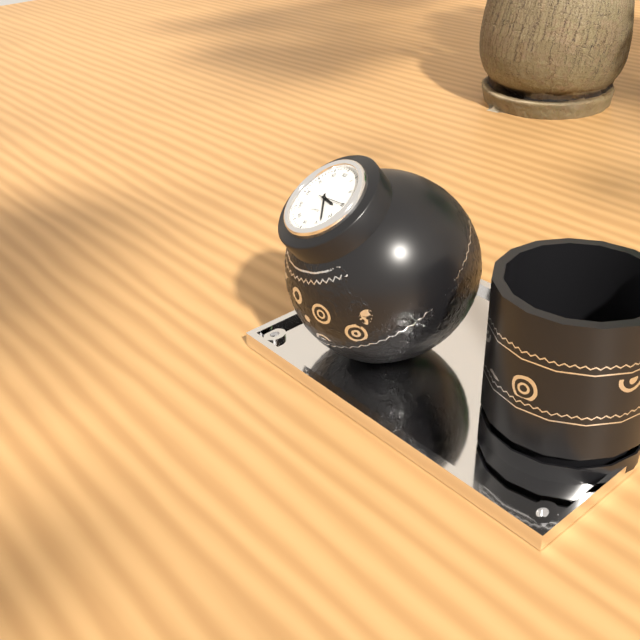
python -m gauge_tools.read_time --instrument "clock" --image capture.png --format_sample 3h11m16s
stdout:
3h23m15s
